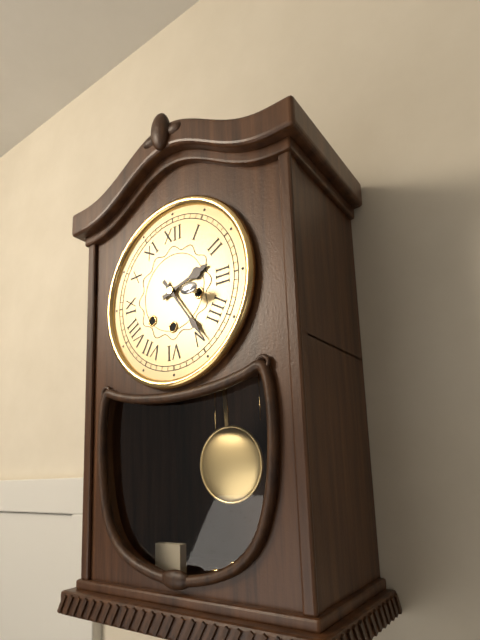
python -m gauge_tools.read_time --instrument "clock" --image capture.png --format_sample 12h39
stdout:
2h24
